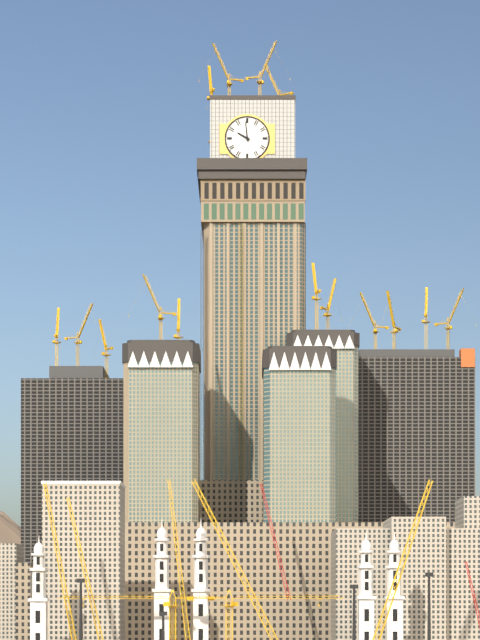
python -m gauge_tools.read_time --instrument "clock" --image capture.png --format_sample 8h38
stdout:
9h59
